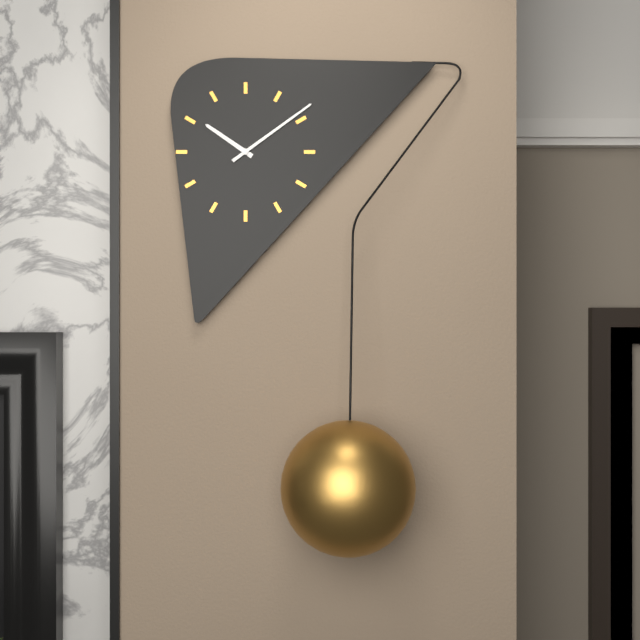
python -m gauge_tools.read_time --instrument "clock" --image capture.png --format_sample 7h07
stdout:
10h09
